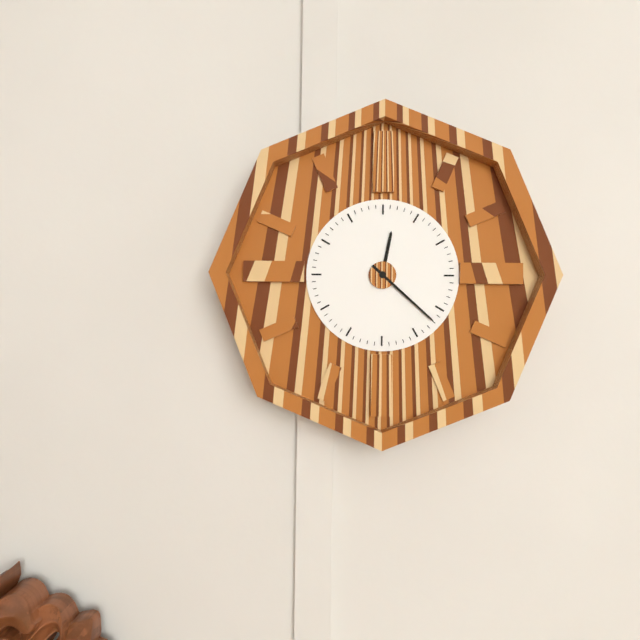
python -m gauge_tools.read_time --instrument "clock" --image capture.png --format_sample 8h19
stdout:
12h22
